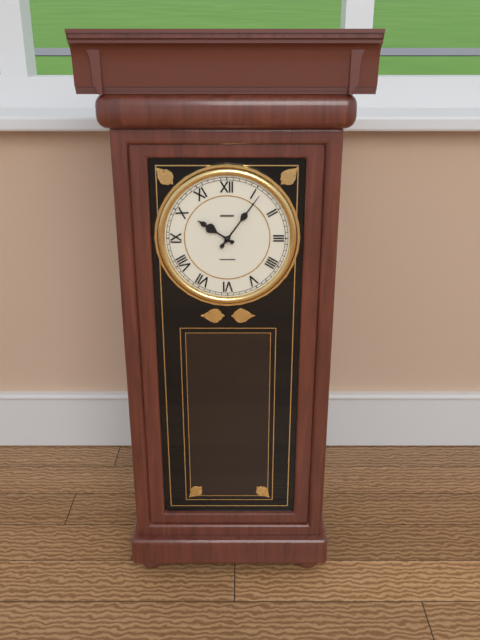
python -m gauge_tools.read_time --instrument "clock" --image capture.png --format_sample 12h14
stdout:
10h06
